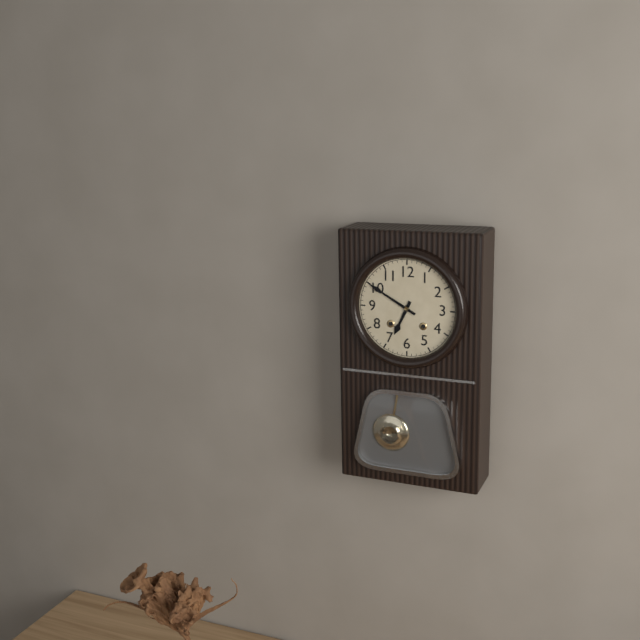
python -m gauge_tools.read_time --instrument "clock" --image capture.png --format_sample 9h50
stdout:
6h50
